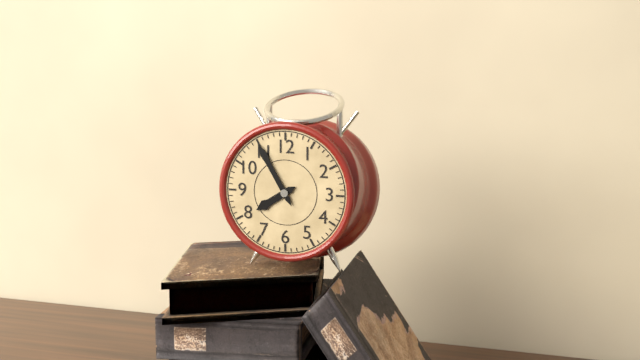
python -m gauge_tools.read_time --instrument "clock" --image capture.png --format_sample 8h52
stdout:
7h55
